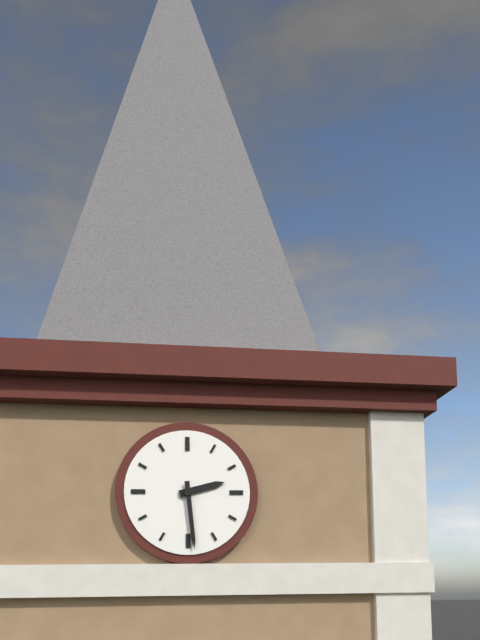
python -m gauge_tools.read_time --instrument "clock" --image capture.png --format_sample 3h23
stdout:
2h29
